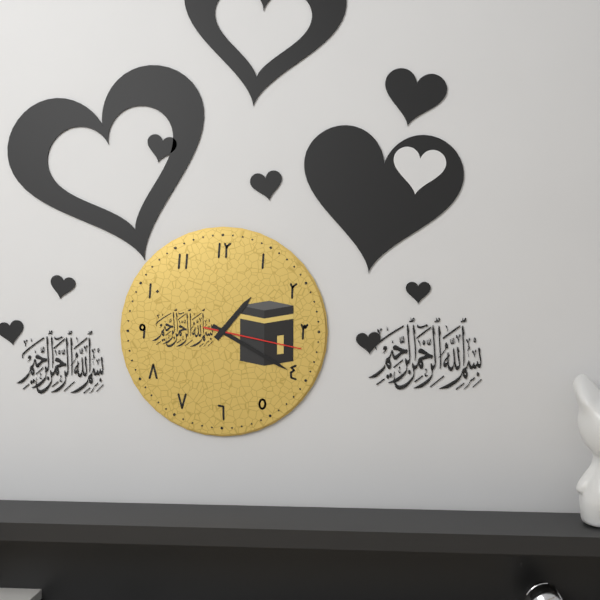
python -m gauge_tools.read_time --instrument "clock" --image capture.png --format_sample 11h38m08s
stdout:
1h20m17s
